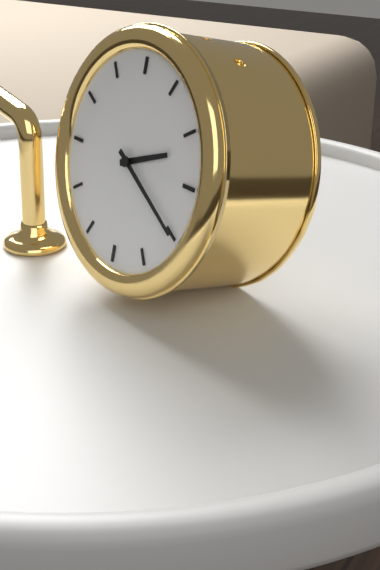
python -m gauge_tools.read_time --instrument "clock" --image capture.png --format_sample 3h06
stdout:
2h20
